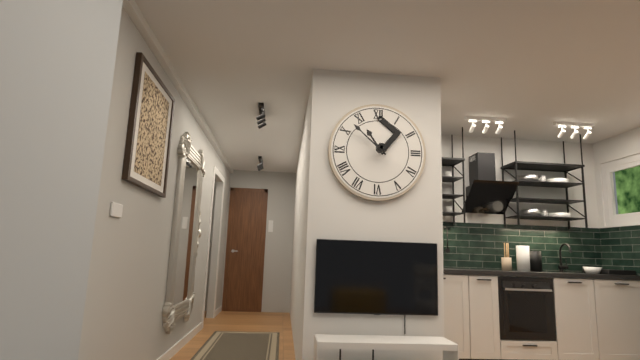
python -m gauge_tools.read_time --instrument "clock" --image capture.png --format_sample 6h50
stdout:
10h52
